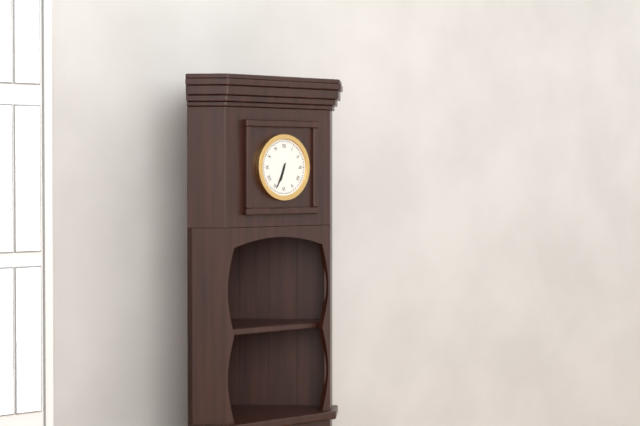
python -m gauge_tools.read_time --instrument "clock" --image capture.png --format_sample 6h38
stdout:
6h34
